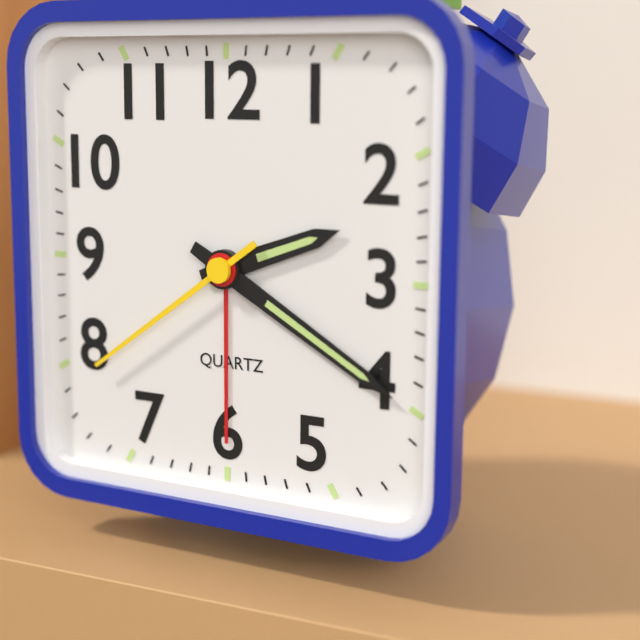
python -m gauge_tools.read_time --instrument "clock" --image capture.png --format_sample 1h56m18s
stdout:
2h20m39s
